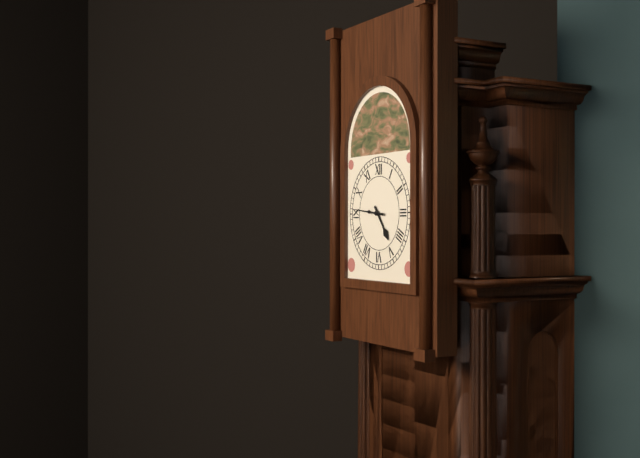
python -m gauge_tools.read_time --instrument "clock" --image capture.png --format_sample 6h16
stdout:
4h46
